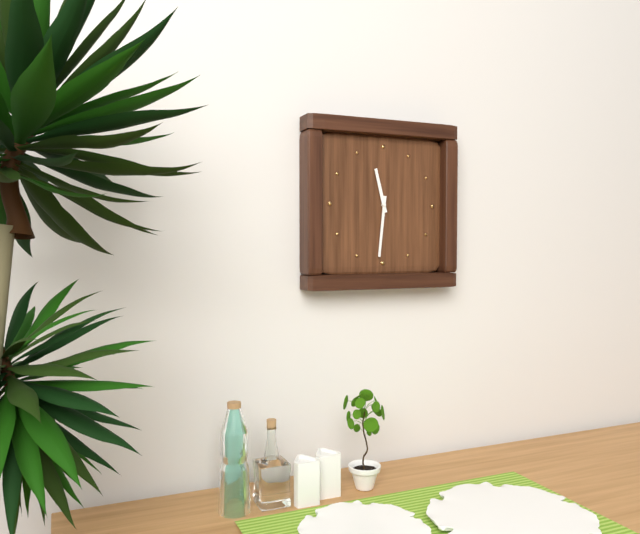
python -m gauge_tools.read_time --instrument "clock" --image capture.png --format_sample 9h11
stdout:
11h31
